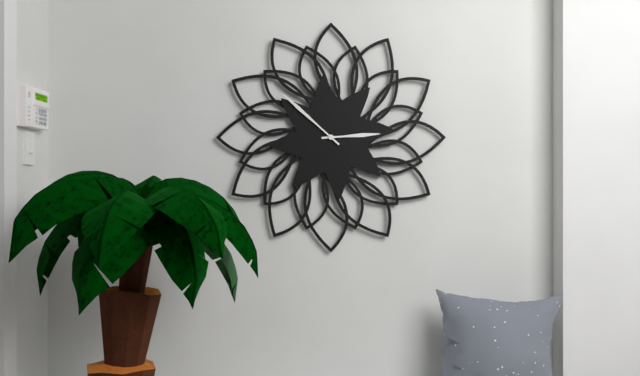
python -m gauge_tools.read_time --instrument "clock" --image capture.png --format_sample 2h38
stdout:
2h52
